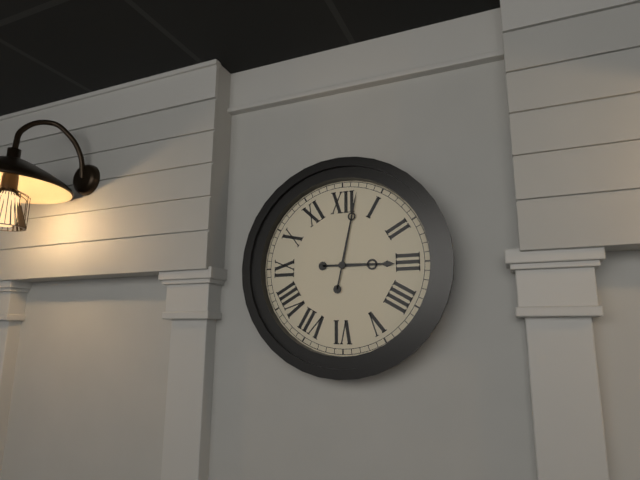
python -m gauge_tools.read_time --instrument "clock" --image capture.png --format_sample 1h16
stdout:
3h02
